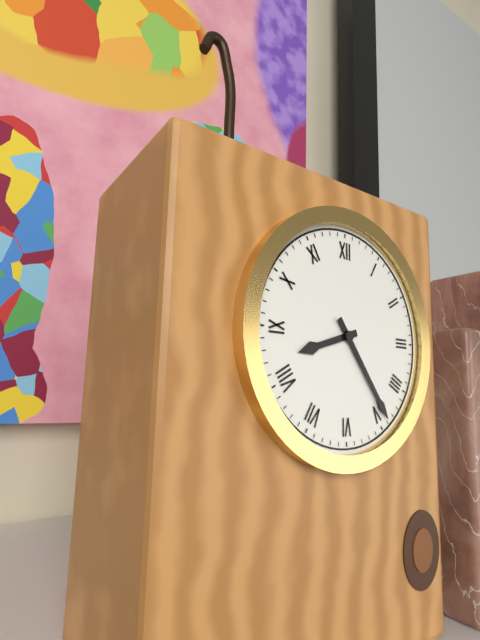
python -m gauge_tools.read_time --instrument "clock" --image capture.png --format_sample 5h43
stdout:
8h24
